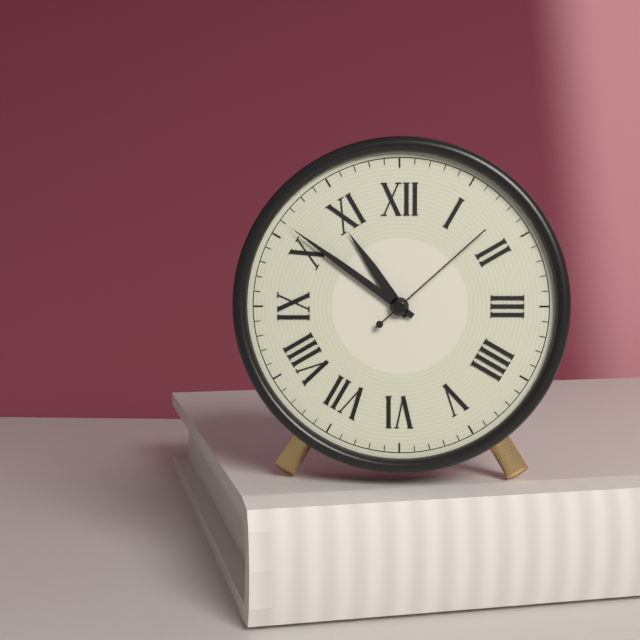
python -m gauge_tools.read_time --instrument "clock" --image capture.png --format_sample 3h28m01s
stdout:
10h51m08s
